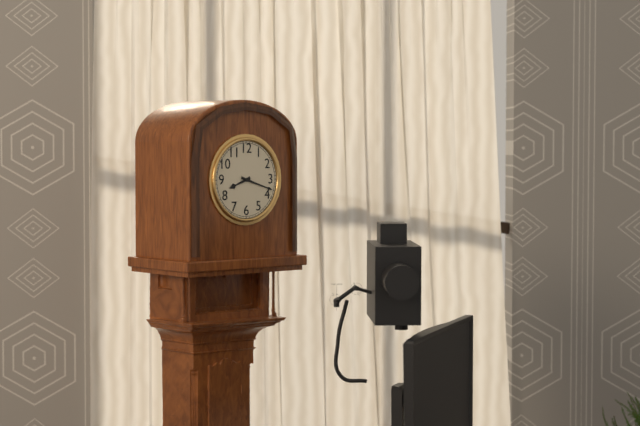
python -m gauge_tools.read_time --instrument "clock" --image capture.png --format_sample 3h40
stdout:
8h18
